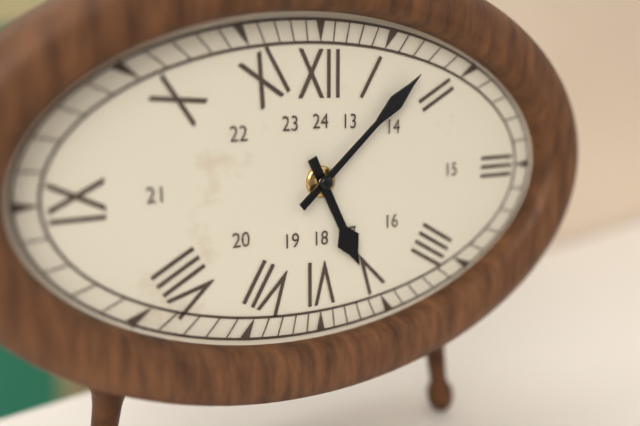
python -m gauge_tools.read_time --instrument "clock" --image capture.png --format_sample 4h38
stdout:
5h08
